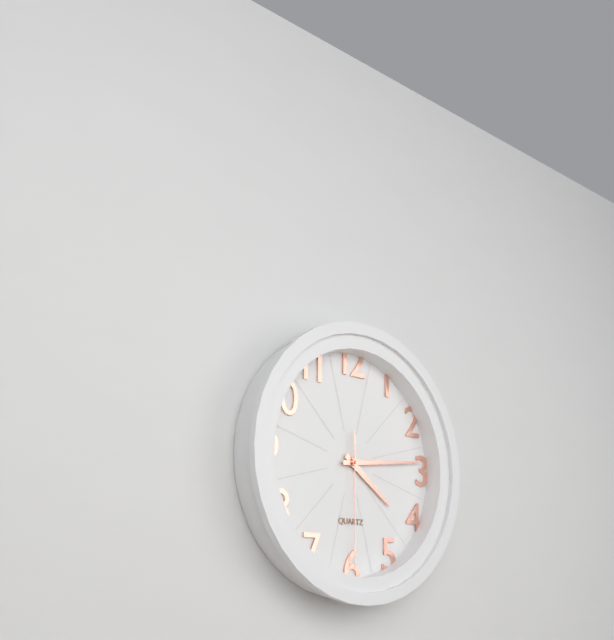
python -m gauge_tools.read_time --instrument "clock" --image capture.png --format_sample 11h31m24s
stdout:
4h14m30s
